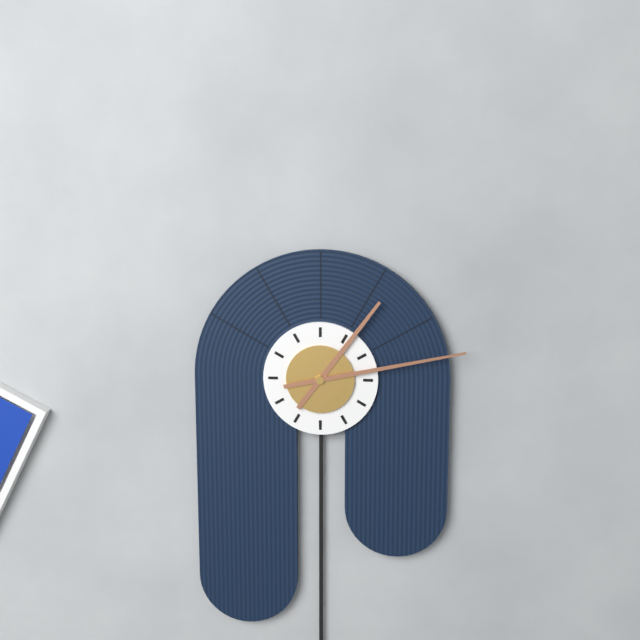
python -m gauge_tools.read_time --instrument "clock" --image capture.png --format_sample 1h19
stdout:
1h13
